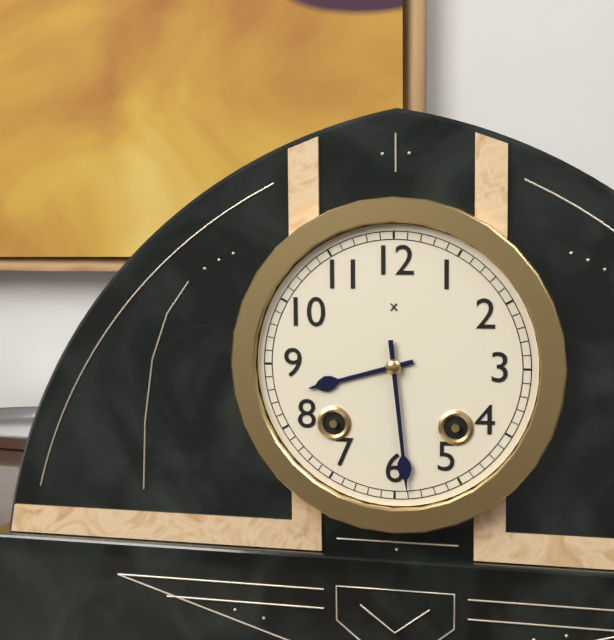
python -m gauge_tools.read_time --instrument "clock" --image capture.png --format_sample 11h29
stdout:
8h29
